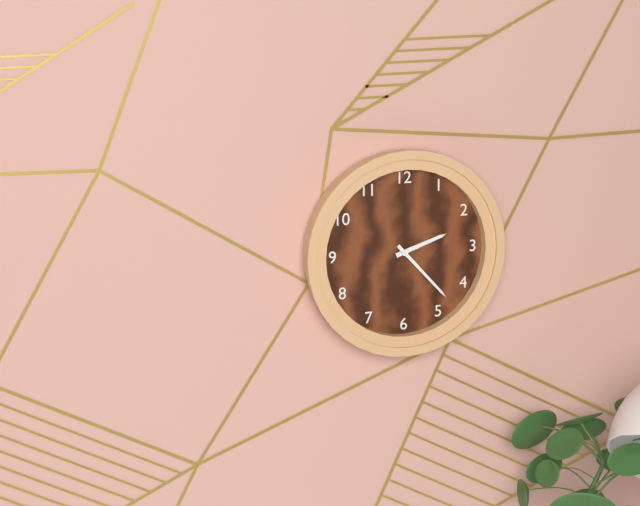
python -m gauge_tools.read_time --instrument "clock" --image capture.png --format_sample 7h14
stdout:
2h23
